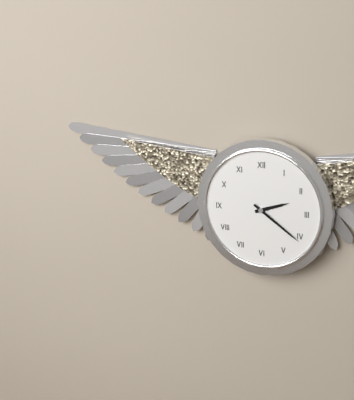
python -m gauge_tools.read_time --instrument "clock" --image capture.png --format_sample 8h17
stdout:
2h21
